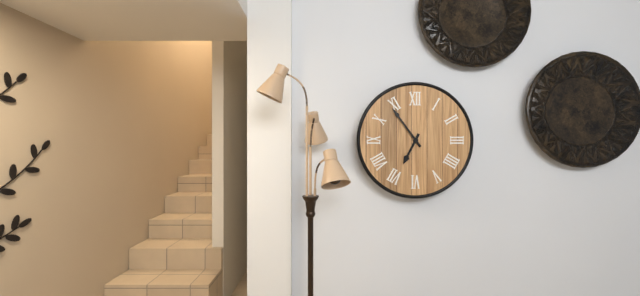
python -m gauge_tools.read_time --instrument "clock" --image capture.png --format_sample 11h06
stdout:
6h54
